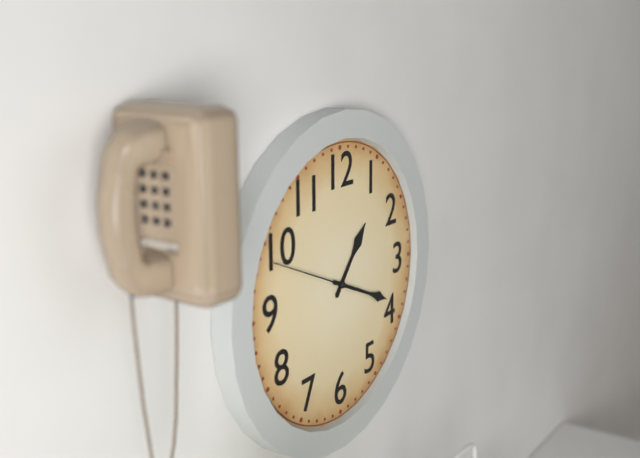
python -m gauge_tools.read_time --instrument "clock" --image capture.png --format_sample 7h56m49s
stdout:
1h19m49s
